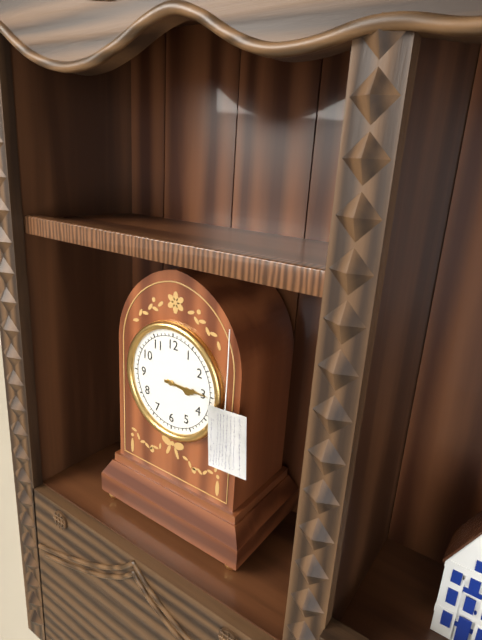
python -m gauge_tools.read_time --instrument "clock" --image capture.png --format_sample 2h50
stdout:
3h15
